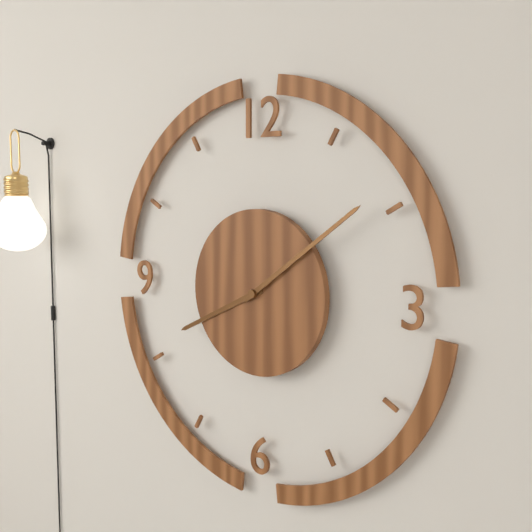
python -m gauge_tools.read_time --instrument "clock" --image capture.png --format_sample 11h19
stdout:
8h09
